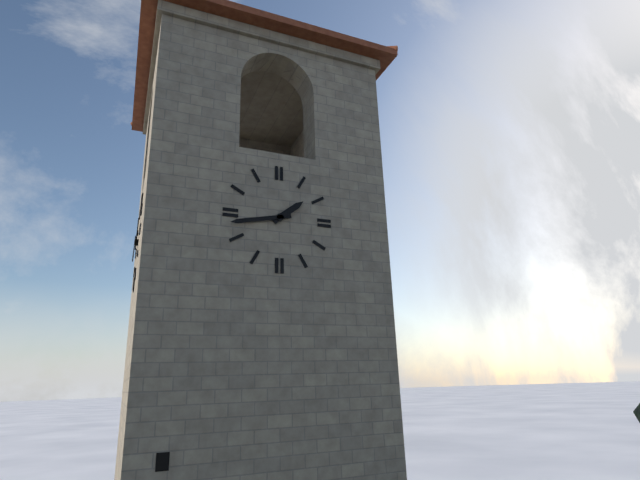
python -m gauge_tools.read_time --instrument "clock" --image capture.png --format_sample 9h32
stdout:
1h43
